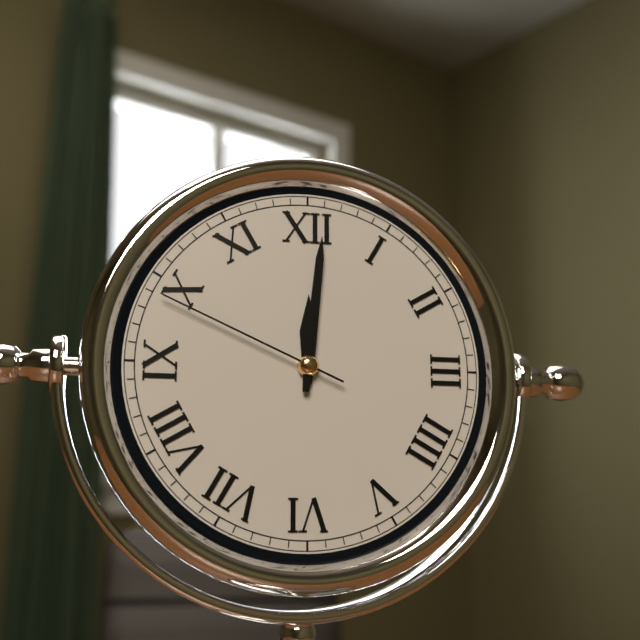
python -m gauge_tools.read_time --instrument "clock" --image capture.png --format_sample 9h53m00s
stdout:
12h01m49s
